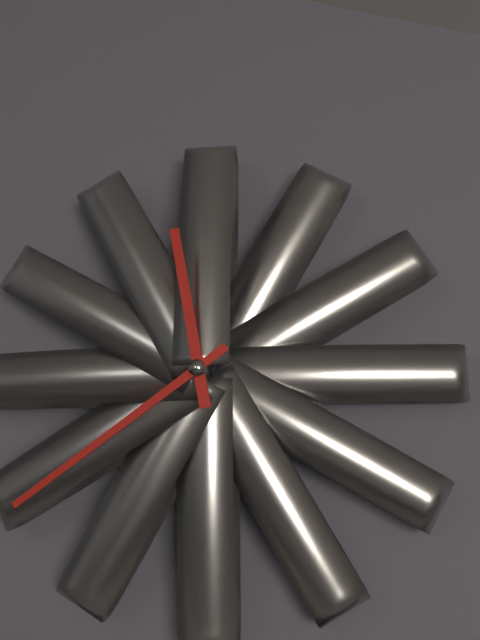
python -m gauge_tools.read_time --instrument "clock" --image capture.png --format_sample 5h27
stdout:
11h39
